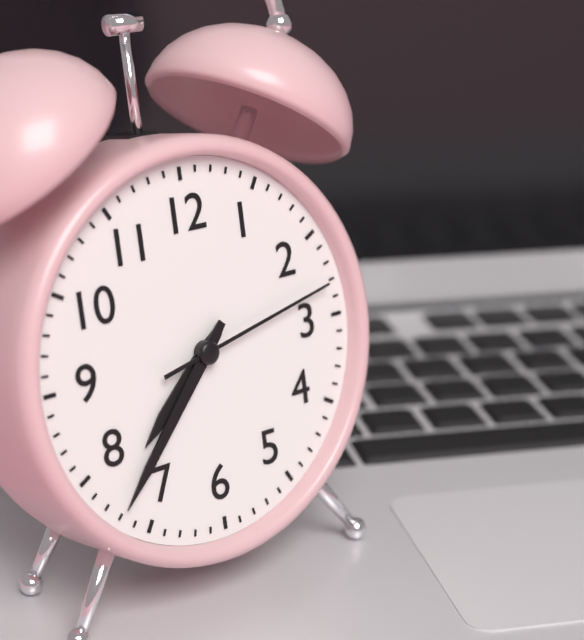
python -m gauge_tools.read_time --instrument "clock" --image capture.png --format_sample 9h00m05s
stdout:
7h37m13s
